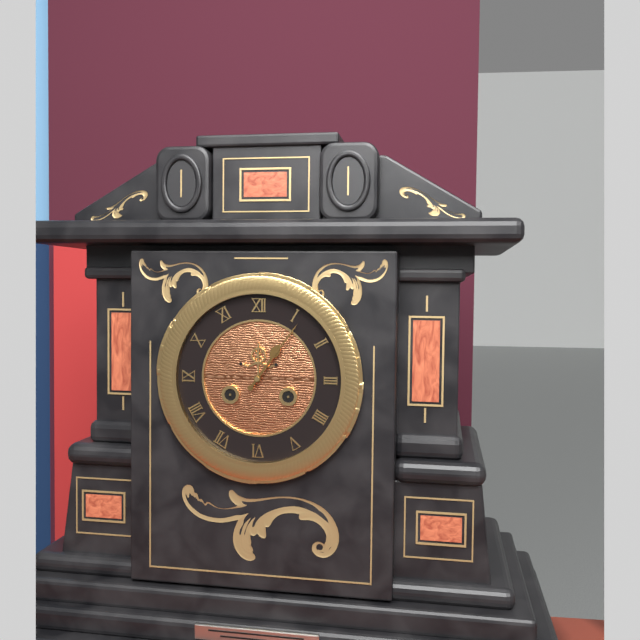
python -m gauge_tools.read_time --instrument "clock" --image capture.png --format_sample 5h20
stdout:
1h06
